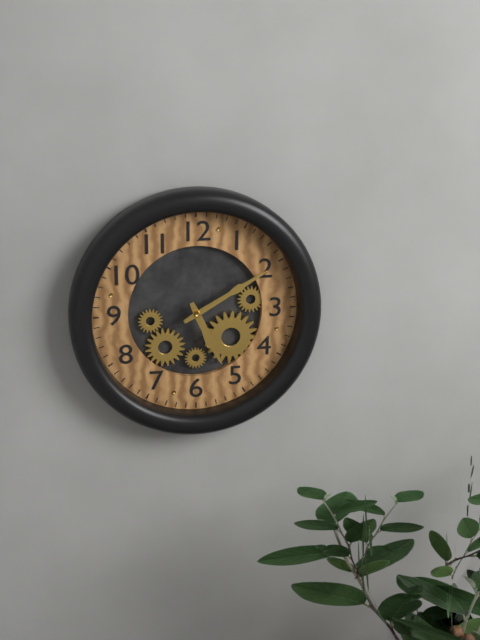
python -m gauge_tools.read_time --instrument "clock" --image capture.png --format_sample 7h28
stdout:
5h10
